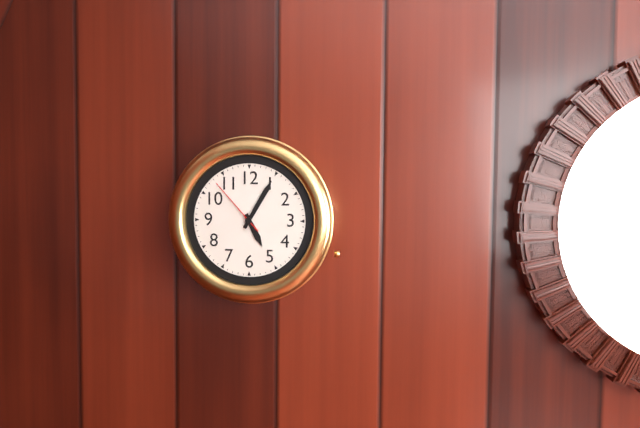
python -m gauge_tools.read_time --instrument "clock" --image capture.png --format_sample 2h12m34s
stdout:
5h05m53s
